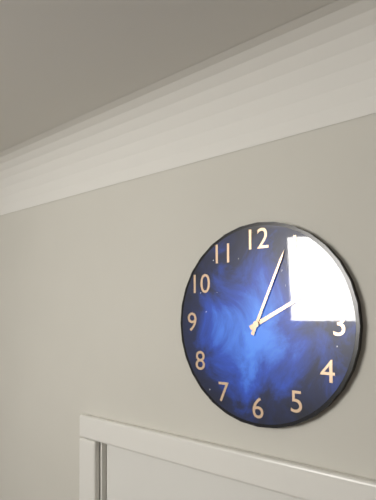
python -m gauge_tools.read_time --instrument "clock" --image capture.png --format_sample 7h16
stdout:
2h04
